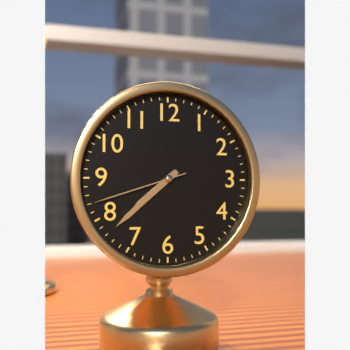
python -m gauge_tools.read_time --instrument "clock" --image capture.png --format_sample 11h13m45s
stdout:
7h38m42s
